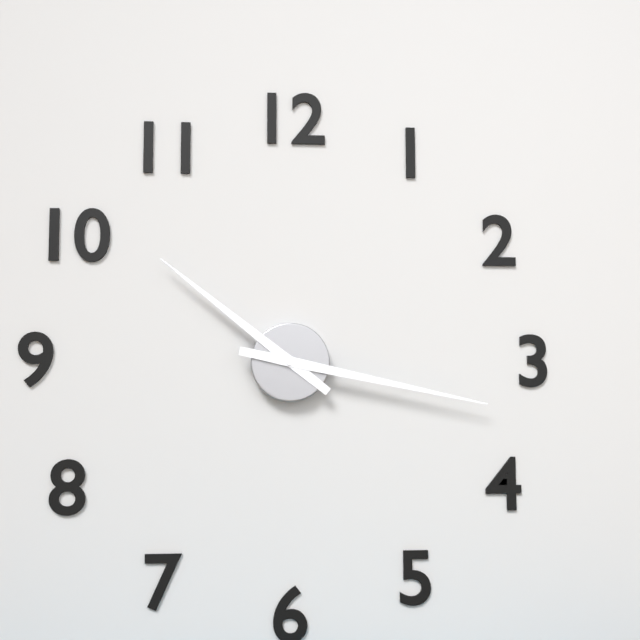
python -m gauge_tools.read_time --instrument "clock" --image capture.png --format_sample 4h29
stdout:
10h17
